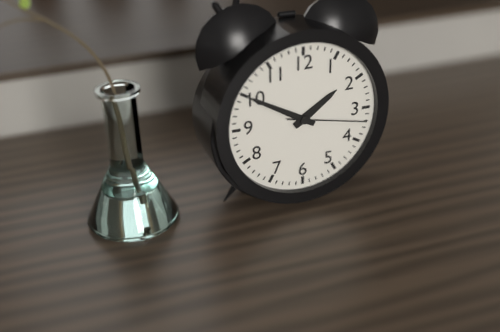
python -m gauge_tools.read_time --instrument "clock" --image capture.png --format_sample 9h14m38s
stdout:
1h50m17s
